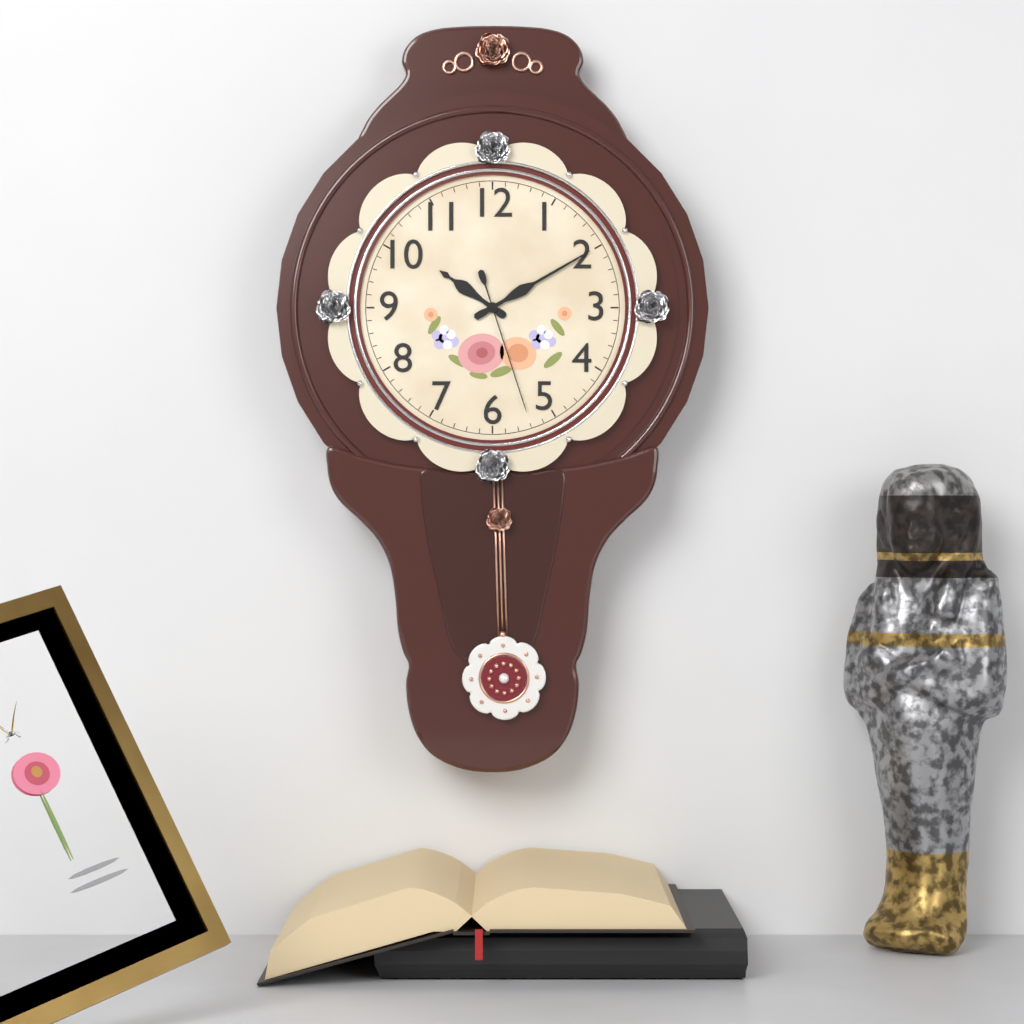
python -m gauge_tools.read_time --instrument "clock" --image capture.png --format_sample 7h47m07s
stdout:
10h10m27s
